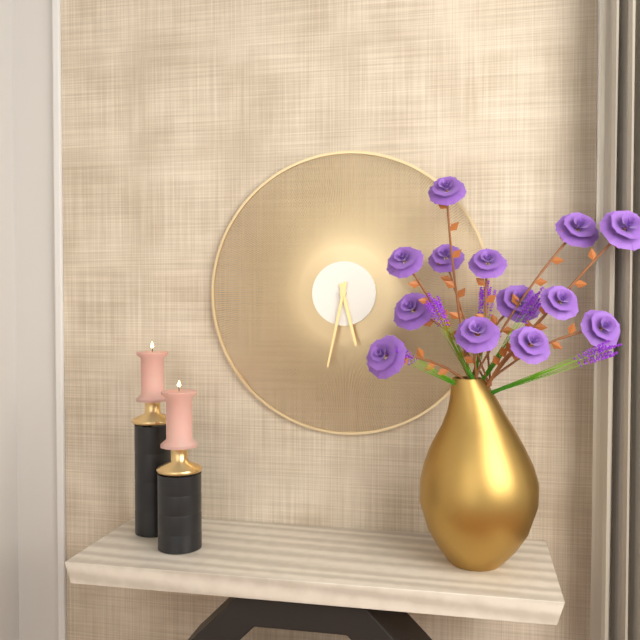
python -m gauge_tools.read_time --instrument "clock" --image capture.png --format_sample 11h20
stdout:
5h32
